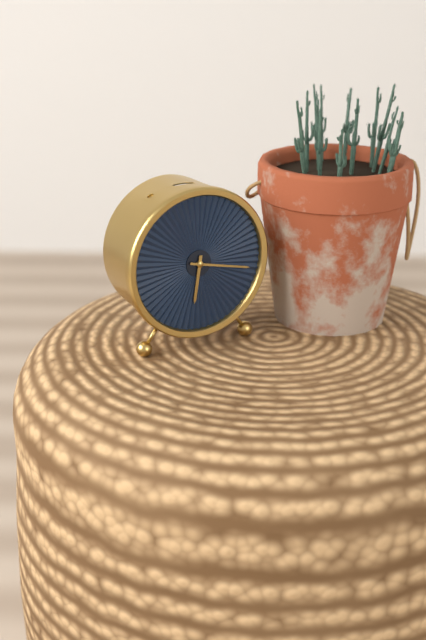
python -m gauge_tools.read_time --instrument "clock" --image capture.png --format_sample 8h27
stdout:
6h17
